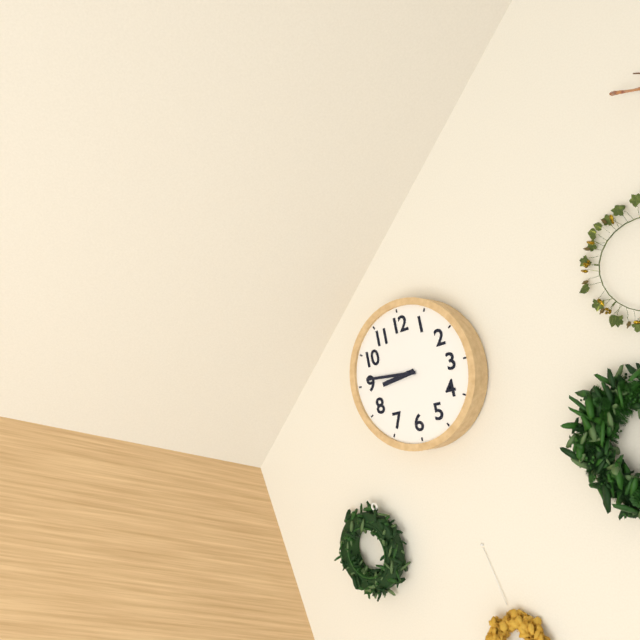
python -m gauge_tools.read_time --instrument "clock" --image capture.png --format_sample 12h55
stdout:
8h46
